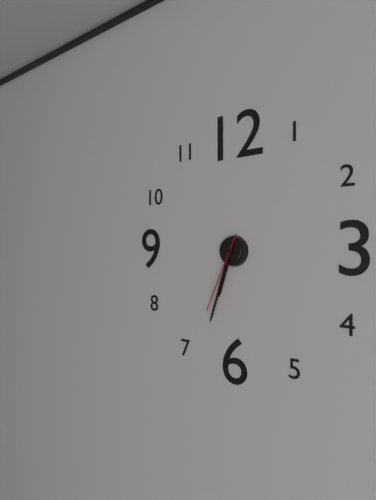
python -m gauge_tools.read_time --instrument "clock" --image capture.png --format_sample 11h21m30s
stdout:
6h33m34s
